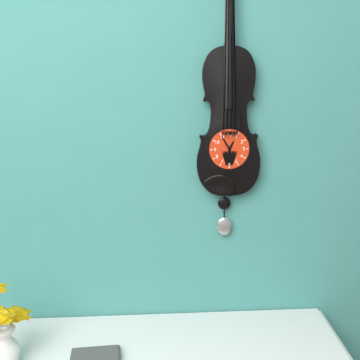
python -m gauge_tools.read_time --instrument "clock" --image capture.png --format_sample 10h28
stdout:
12h55
